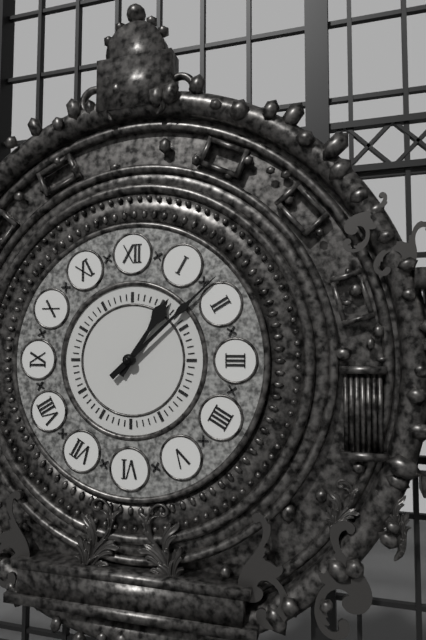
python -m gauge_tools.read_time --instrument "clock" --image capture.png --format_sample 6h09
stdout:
1h08
